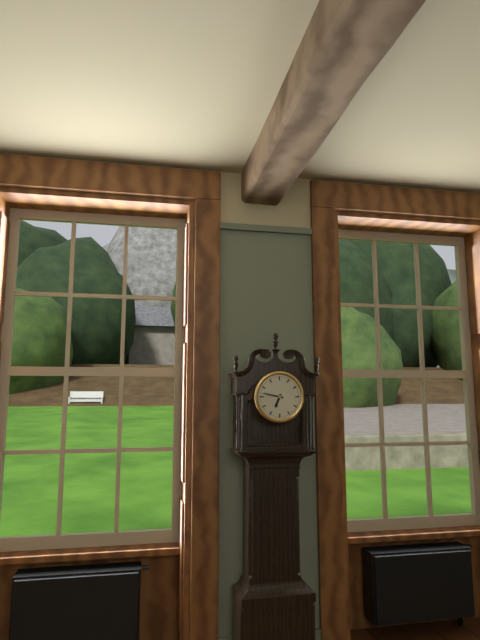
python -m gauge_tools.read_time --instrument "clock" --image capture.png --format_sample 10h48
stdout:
6h47
